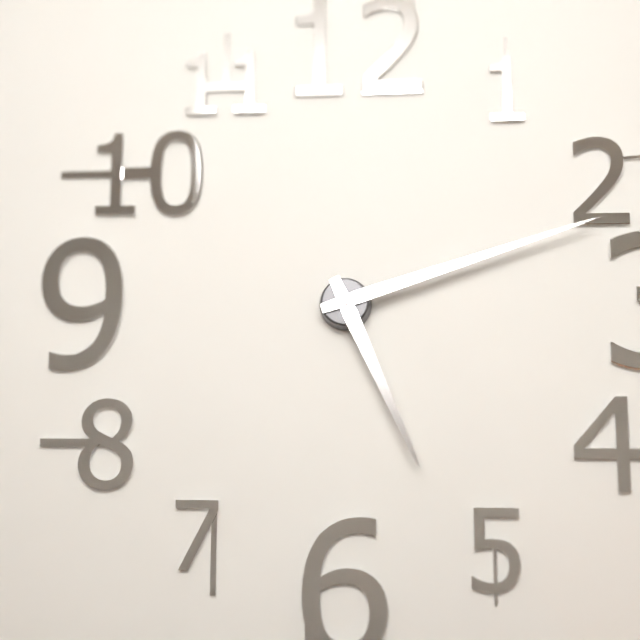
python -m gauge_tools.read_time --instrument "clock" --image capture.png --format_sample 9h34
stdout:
5h12
